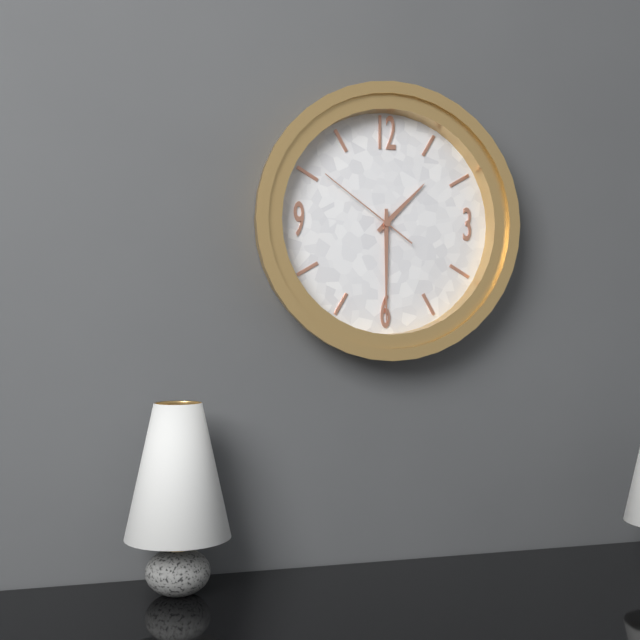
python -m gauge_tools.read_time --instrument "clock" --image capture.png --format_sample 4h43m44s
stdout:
1h30m51s
